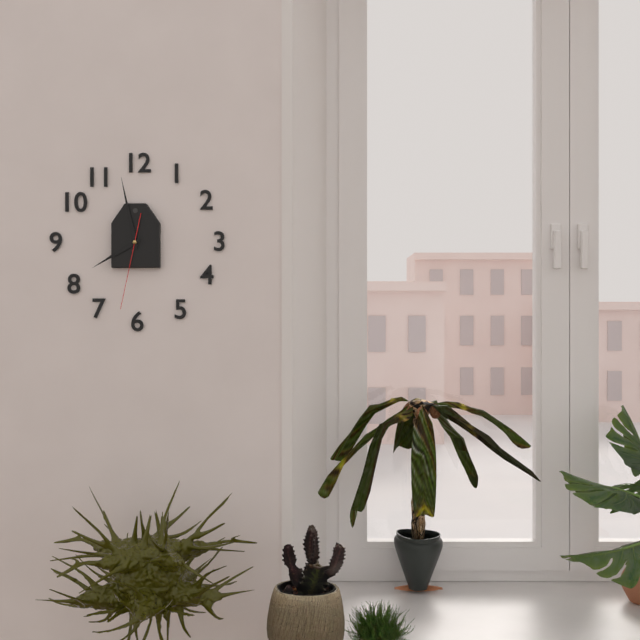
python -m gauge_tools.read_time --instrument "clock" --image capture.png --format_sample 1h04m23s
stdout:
7h58m32s
